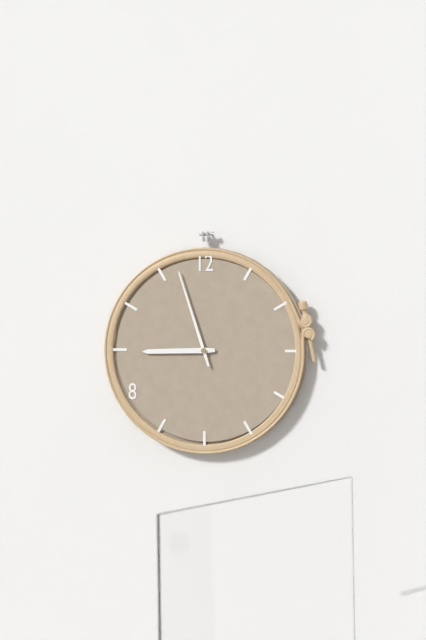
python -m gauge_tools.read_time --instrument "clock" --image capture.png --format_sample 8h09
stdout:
8h57
